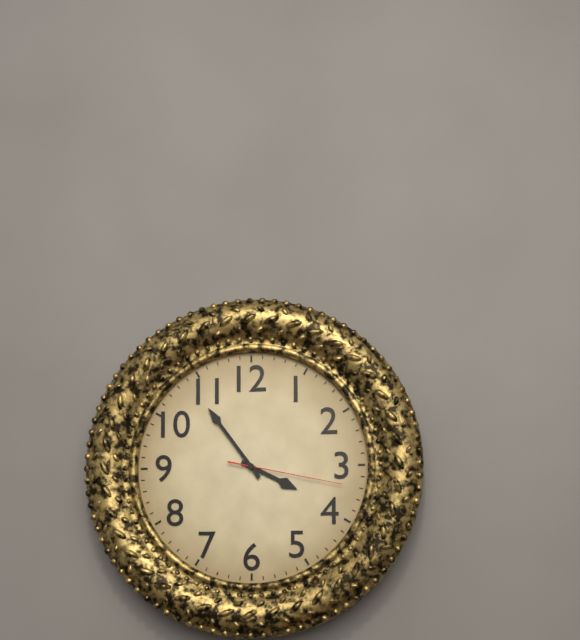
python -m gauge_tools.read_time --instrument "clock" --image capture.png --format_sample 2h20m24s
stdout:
3h54m17s
